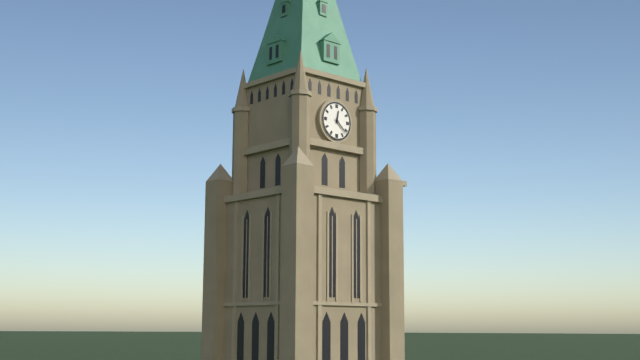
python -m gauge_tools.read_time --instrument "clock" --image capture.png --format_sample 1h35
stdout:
12h22
